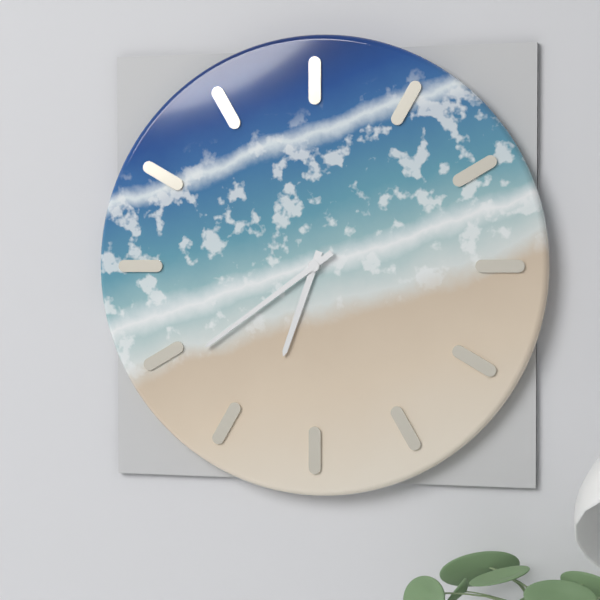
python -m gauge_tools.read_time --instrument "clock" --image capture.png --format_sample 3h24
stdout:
6h39
